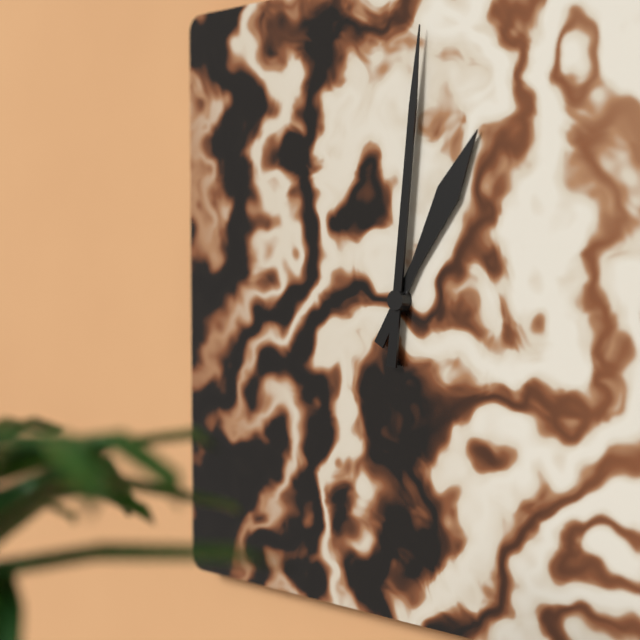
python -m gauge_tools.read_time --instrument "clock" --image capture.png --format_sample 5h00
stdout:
1h01
